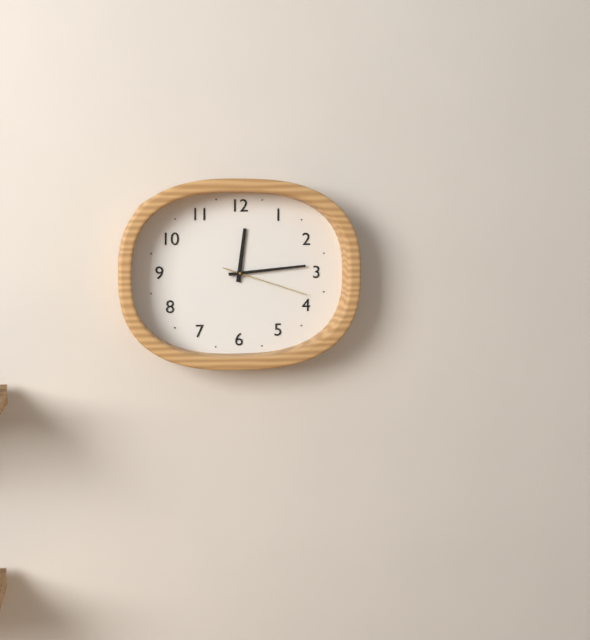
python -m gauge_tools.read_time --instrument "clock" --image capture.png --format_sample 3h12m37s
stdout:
12h14m18s
